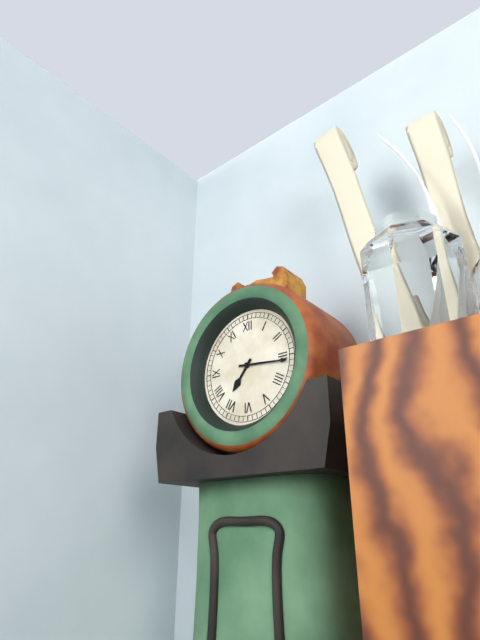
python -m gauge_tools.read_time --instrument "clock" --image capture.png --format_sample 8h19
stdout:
7h16
